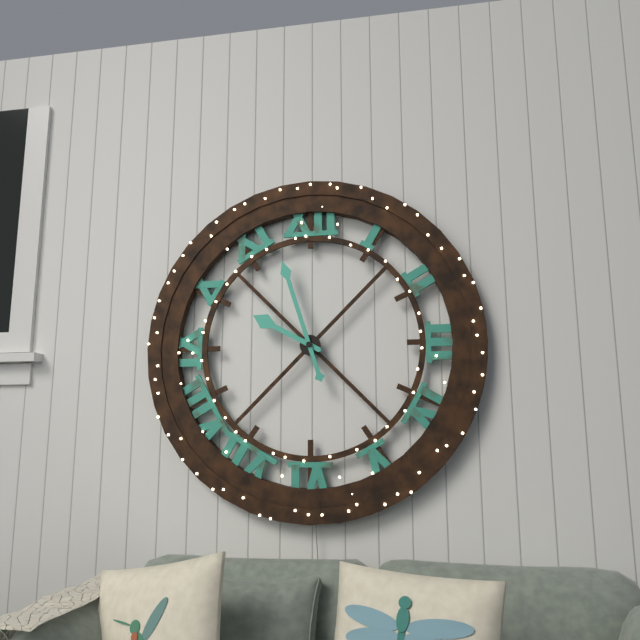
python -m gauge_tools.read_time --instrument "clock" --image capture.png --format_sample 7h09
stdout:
9h57
